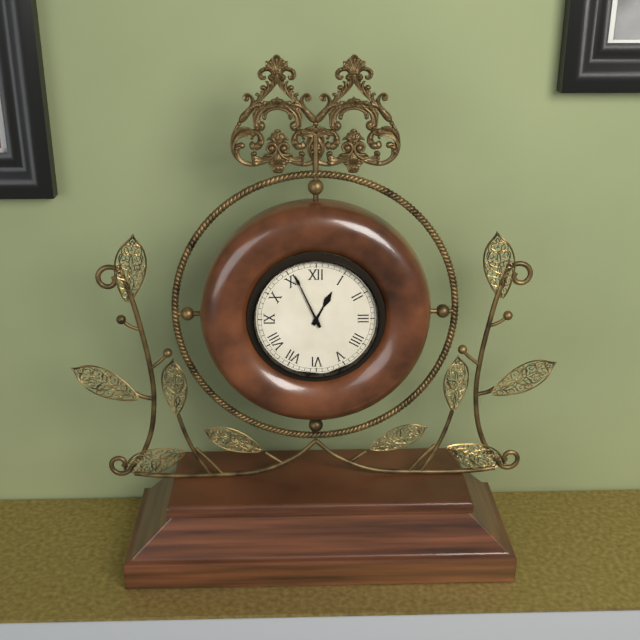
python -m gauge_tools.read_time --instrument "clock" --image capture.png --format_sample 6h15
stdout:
12h56
